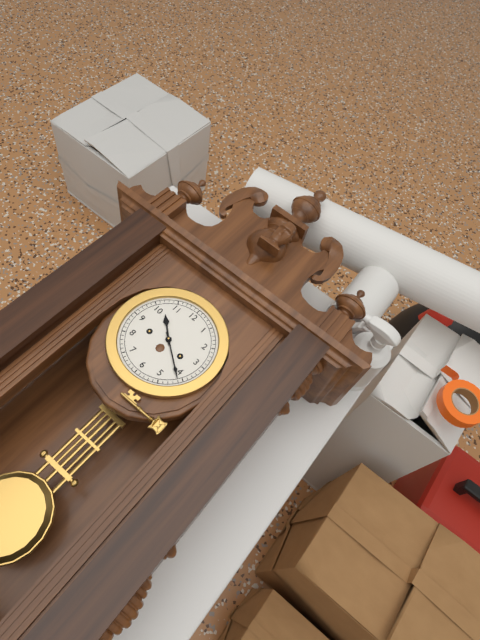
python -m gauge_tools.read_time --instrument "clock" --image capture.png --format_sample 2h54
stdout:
10h21
